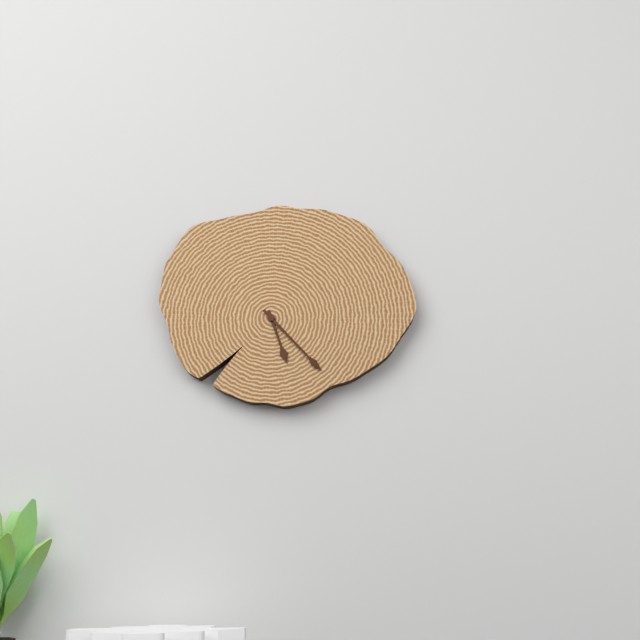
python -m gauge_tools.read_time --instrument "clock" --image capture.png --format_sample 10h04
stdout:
5h23
